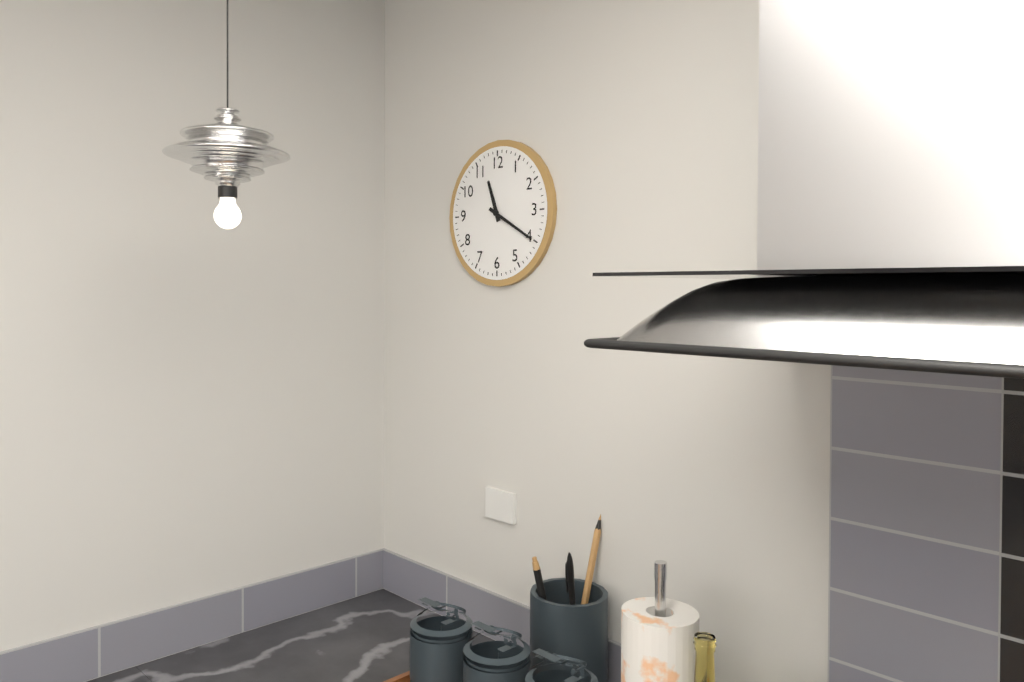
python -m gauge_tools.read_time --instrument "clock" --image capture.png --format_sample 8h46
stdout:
11h20
